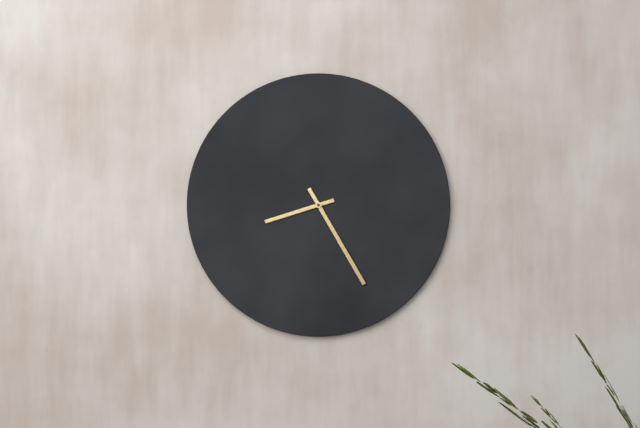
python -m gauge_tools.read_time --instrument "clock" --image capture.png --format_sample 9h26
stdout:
8h25
